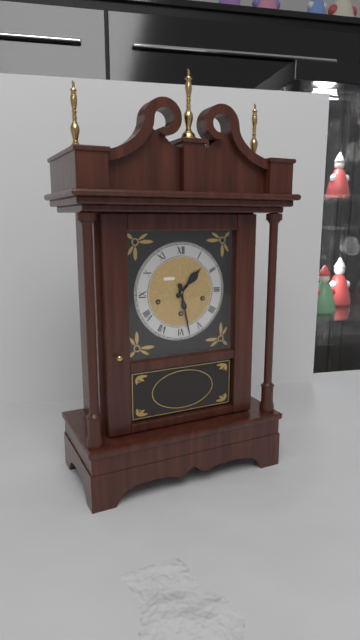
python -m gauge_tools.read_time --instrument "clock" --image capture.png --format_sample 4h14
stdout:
1h28
